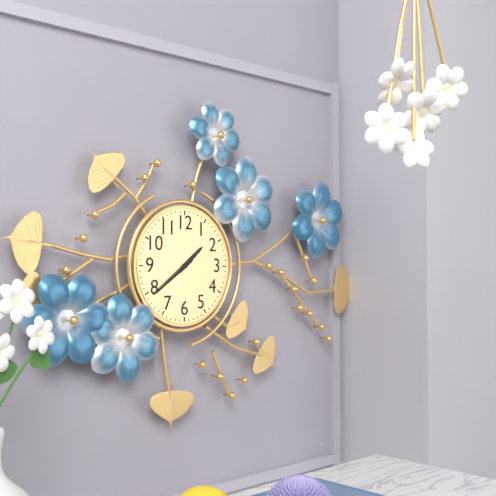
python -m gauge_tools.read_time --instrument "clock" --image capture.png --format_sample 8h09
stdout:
1h39
